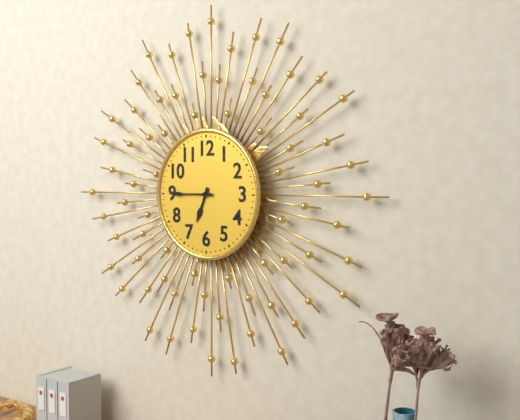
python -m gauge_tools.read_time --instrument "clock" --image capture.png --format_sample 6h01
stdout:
6h45
